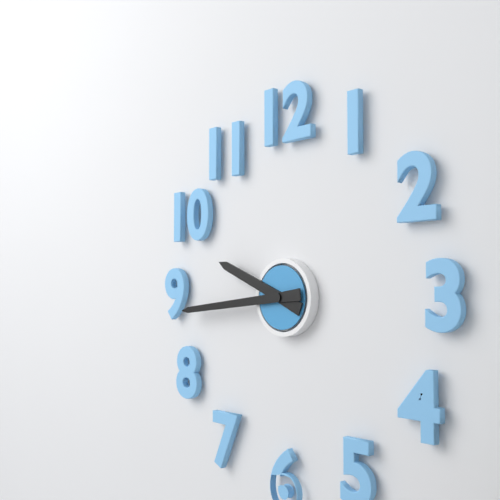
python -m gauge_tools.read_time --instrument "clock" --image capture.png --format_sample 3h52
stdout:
9h44
